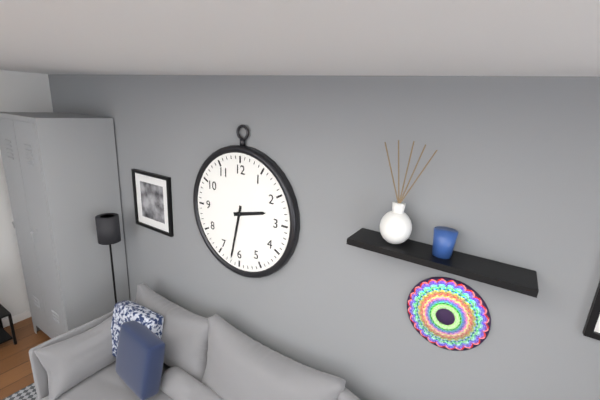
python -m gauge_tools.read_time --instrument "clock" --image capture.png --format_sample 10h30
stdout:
2h32
